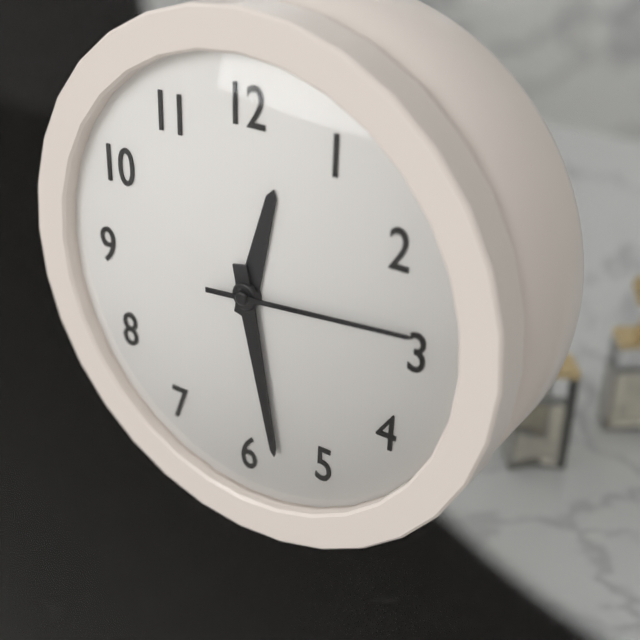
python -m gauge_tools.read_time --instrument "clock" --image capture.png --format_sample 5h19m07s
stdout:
12h28m14s
